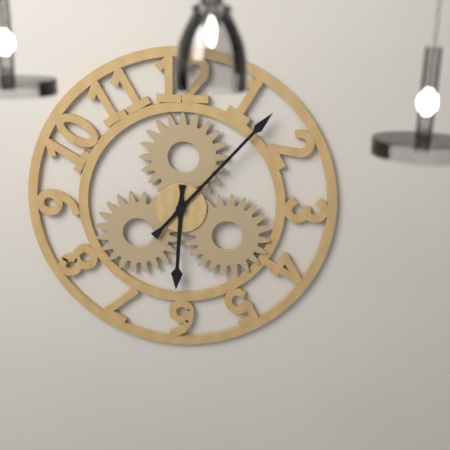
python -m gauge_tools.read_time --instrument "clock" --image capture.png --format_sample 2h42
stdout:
6h07
